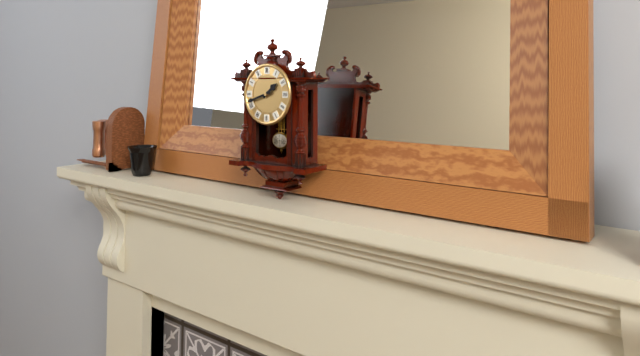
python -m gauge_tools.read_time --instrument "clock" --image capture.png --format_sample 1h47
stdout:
1h42
